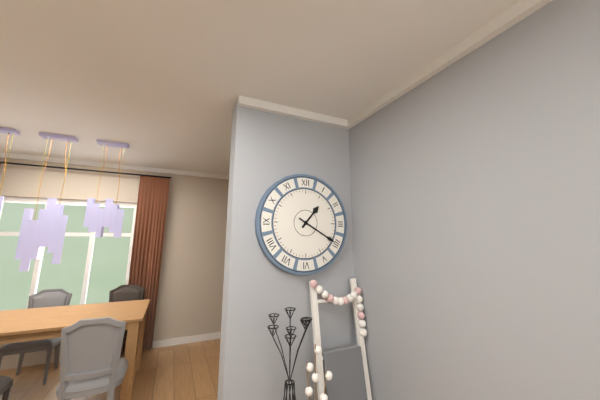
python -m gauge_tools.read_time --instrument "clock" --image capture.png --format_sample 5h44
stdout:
1h20
